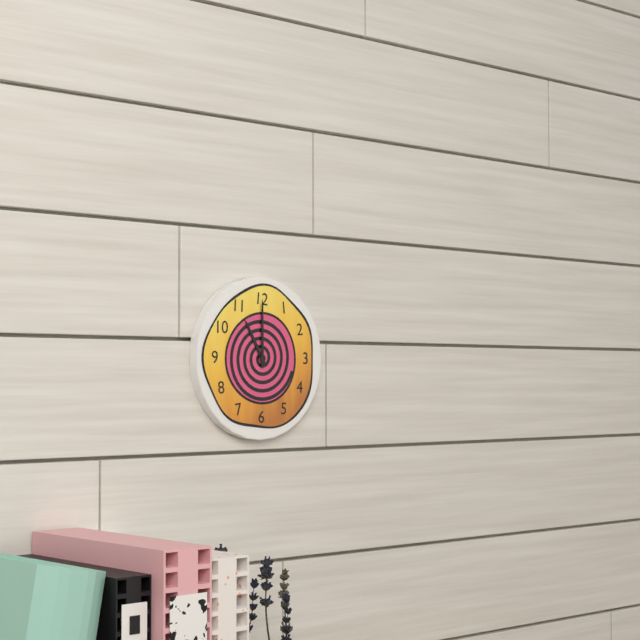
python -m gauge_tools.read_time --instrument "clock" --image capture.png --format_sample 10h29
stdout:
11h00
